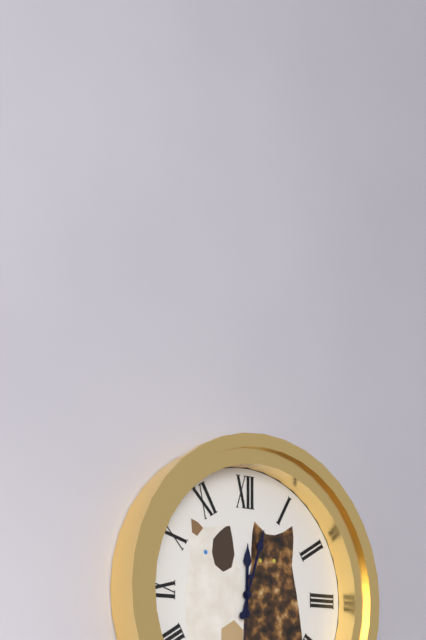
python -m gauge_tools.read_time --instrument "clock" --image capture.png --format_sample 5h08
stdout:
12h03
